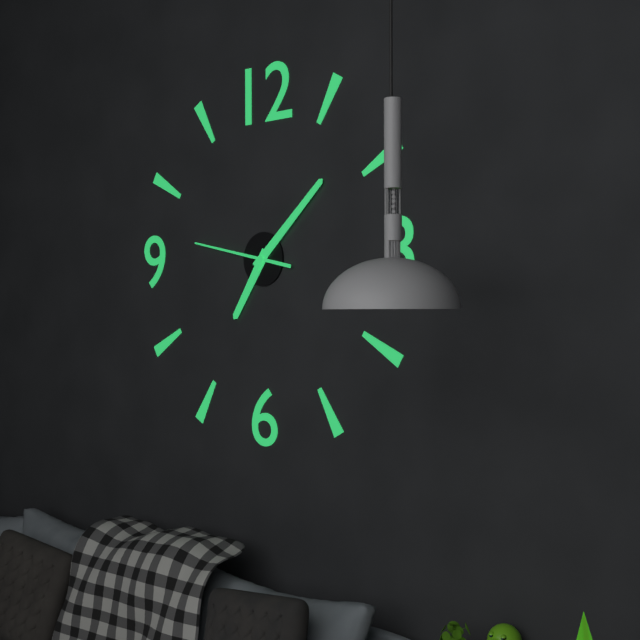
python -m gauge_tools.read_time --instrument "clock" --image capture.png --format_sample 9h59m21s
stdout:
7h08m47s
